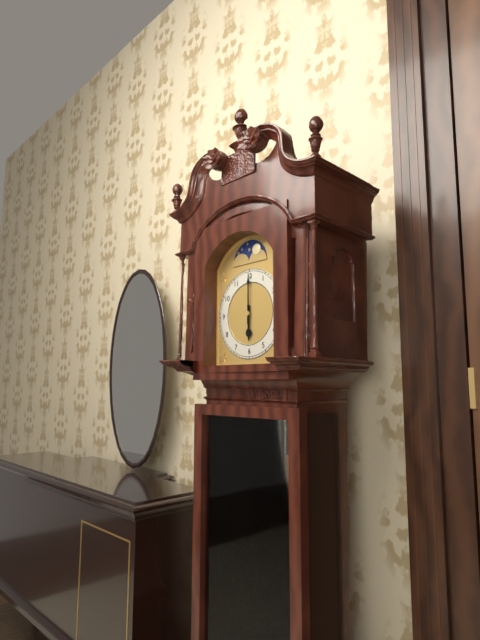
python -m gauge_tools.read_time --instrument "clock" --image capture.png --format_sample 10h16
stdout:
6h00
